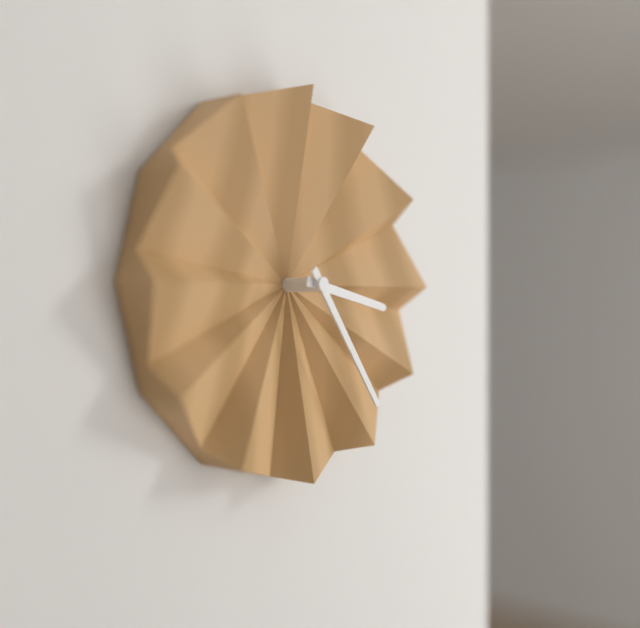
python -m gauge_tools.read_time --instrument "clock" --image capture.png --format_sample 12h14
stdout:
3h24
